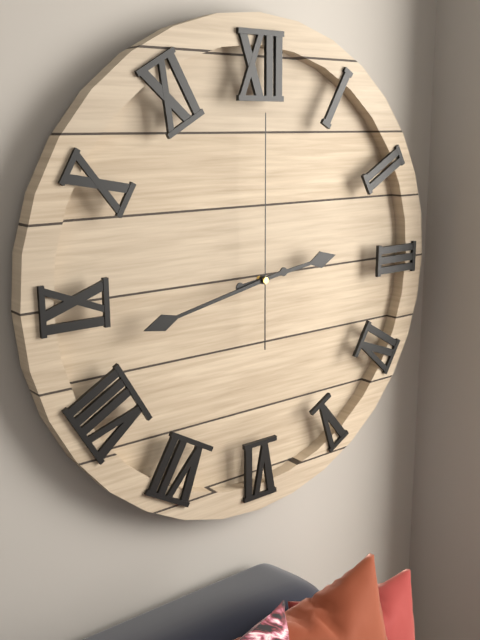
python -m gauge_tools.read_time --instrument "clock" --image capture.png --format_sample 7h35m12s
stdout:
2h43m00s
